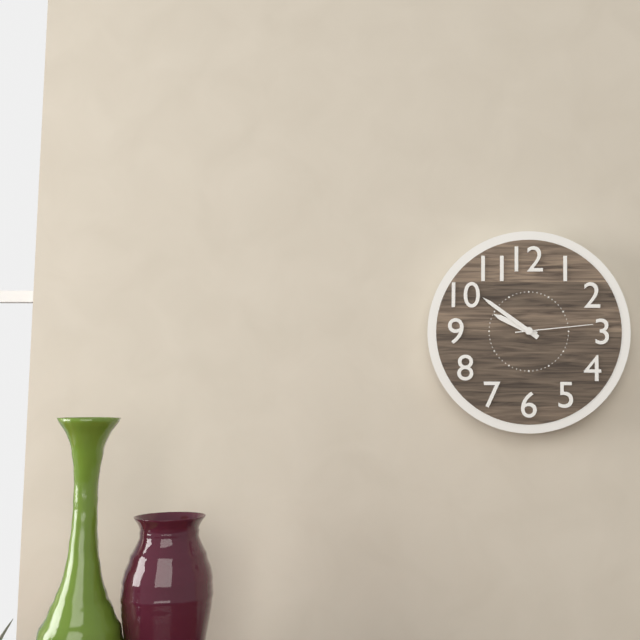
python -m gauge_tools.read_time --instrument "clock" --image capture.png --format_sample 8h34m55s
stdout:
9h51m14s
